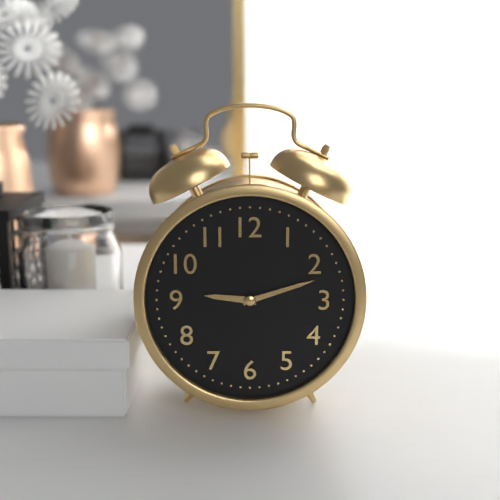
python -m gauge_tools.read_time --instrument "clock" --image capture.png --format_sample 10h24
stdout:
9h12
